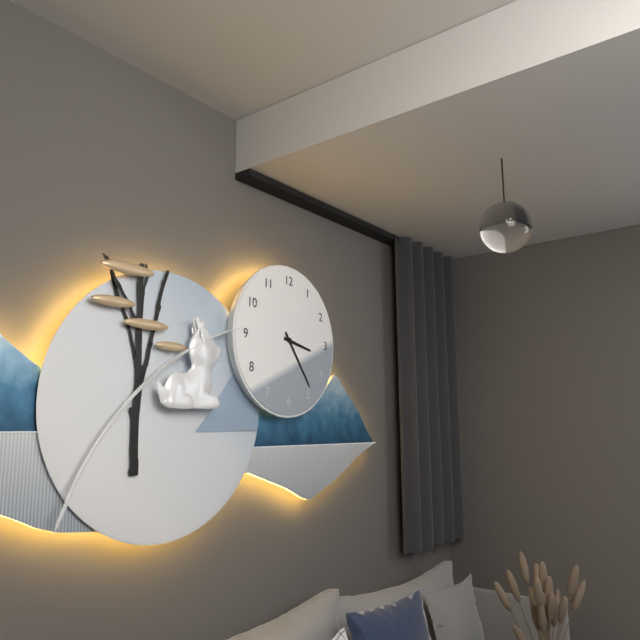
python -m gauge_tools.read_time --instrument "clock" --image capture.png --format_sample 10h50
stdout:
3h24
